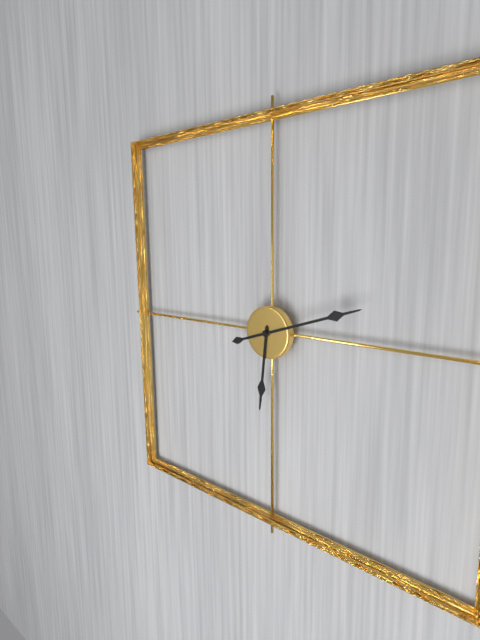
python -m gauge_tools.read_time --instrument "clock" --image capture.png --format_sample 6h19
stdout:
6h12
